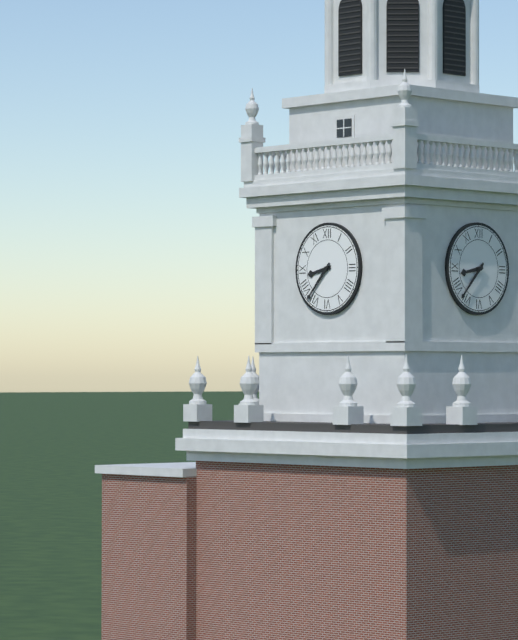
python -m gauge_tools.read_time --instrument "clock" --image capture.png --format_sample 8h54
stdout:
8h37
